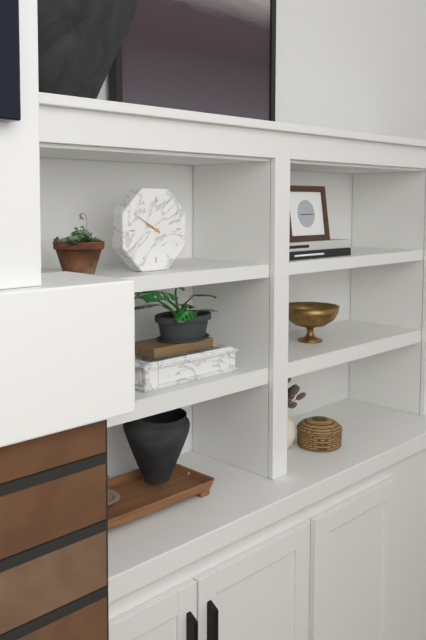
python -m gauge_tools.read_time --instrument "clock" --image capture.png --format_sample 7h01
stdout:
9h50
